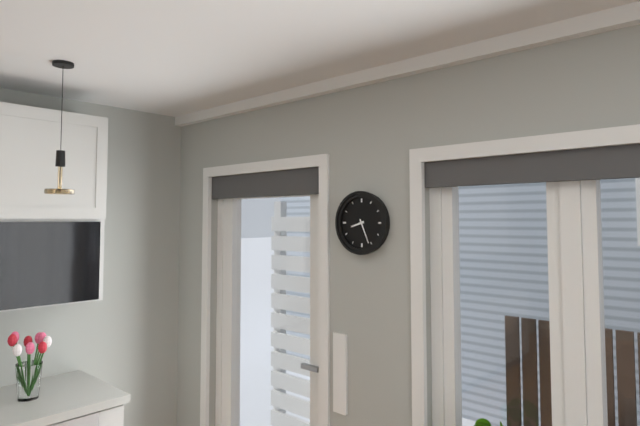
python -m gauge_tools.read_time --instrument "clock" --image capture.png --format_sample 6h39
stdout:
8h26
